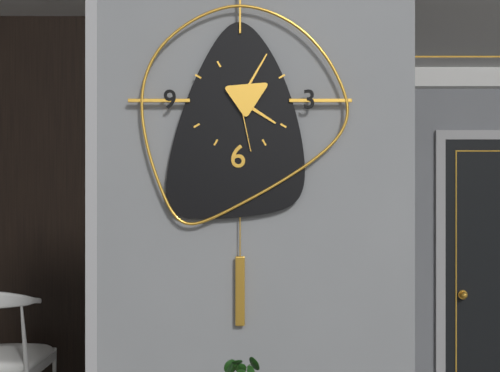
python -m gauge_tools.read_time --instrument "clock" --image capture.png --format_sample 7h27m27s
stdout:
4h05m28s
